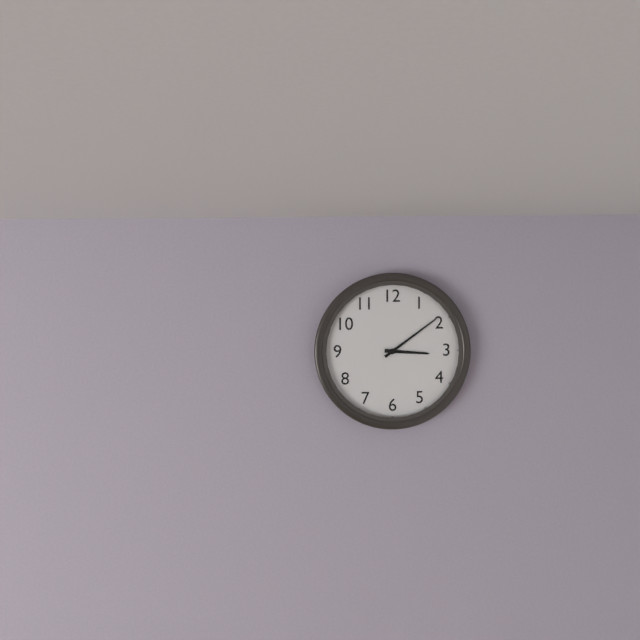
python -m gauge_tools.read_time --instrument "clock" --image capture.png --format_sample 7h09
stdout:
3h09
